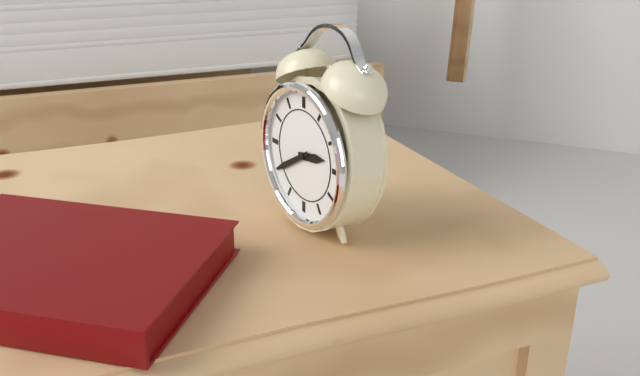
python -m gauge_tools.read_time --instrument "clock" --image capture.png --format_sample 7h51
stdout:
2h40
